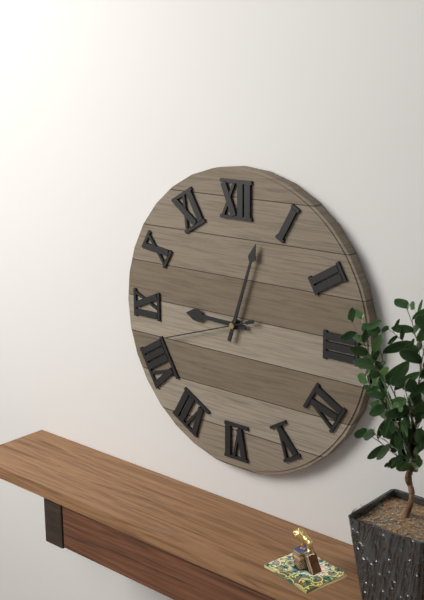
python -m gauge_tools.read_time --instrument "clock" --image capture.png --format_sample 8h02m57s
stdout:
9h03m42s
